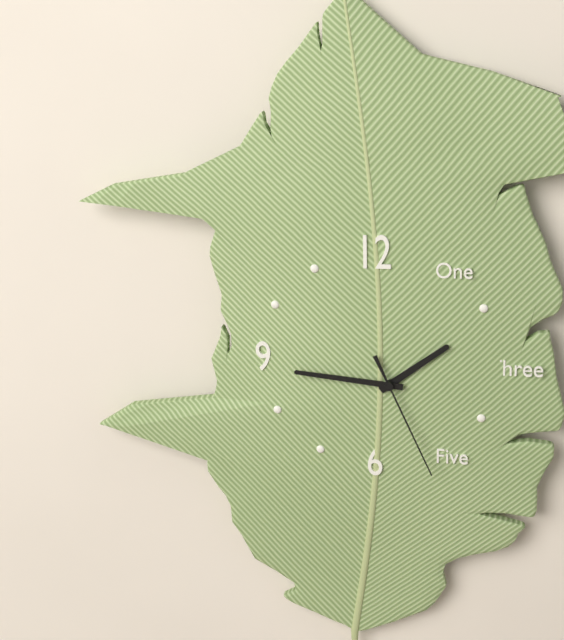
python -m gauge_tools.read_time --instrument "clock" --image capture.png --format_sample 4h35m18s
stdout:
1h46m26s
